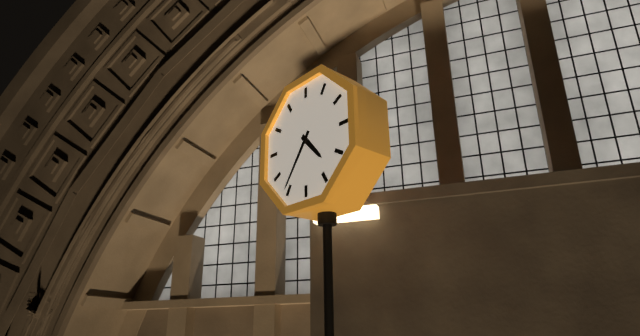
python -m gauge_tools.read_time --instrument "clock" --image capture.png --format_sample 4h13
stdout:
4h36
